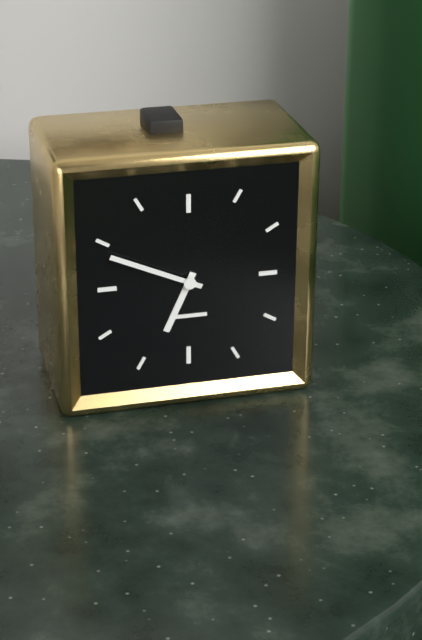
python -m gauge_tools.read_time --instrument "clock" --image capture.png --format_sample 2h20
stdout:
6h49
